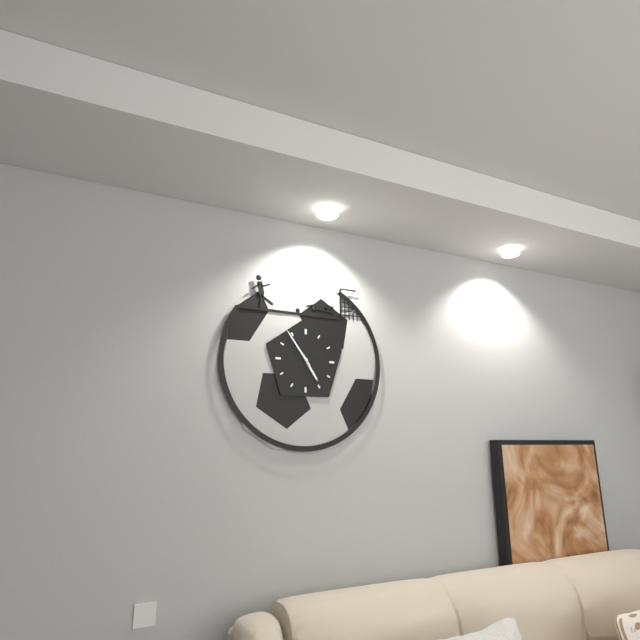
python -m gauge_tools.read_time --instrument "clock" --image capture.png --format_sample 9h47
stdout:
4h54
